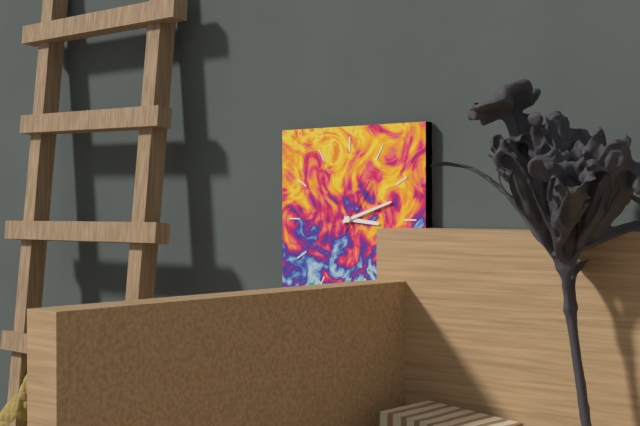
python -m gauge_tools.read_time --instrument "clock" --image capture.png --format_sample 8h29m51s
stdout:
3h12m06s
